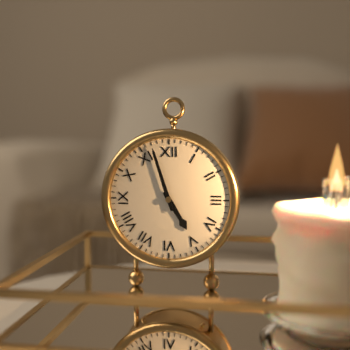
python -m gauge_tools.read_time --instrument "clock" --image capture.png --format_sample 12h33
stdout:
4h57
